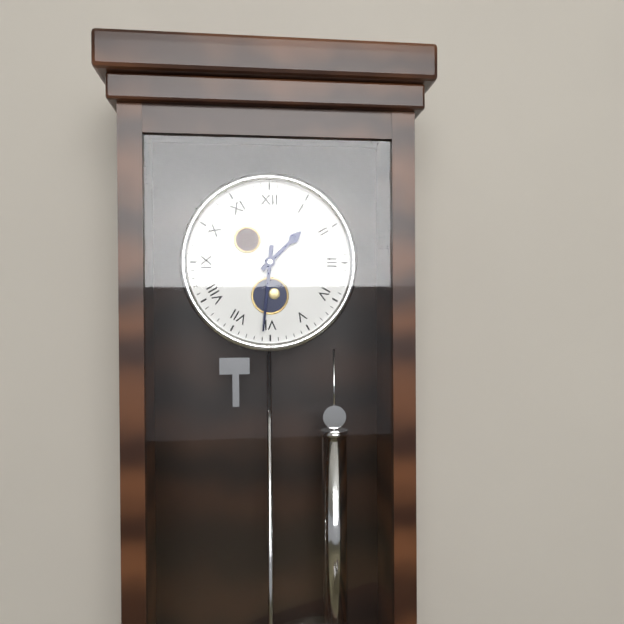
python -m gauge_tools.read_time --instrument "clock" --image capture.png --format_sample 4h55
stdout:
1h31
